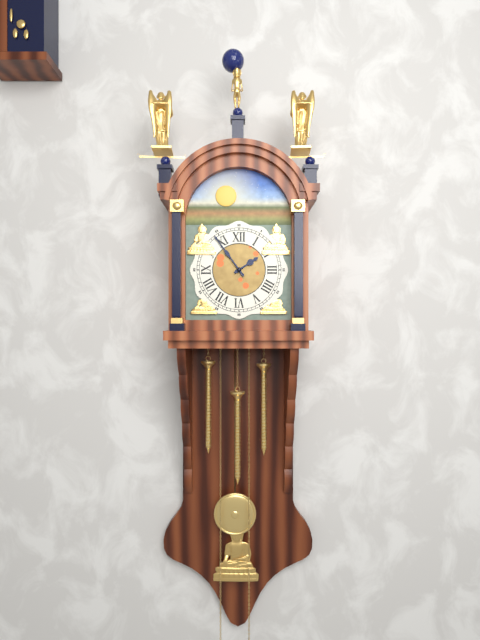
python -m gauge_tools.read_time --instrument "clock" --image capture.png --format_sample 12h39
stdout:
1h54
